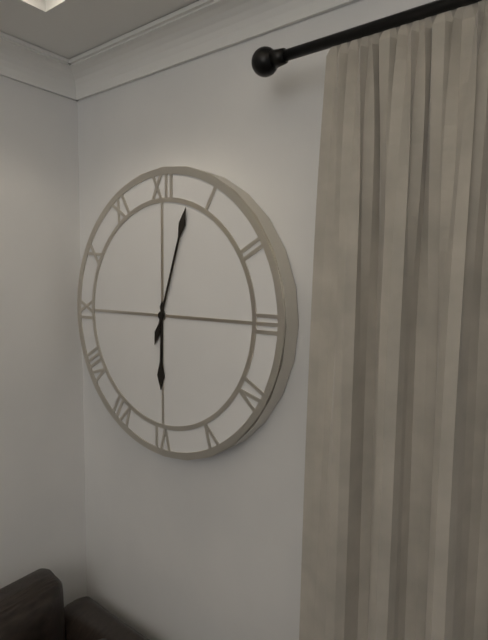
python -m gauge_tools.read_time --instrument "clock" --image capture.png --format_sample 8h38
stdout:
6h03
